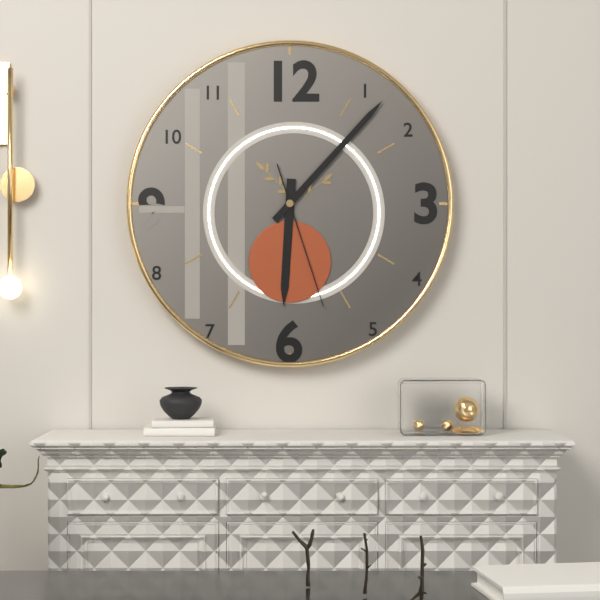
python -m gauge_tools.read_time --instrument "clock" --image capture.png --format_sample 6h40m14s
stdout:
6h07m27s
